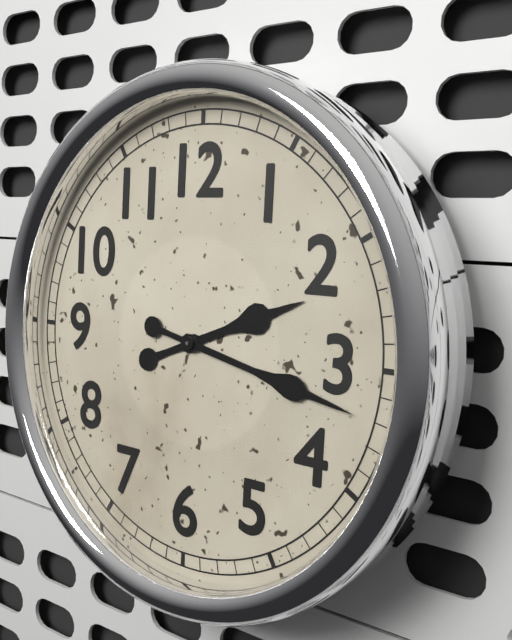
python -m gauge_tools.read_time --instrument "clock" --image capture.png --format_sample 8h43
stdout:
2h17
